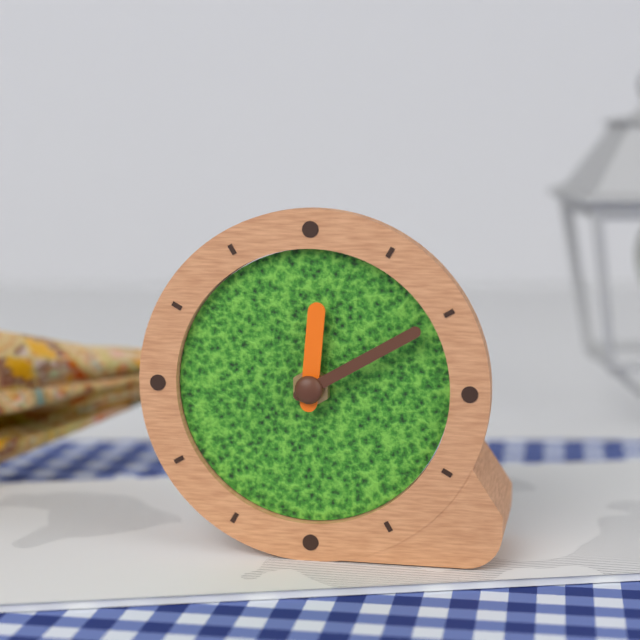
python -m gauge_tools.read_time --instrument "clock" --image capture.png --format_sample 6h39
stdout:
12h10
